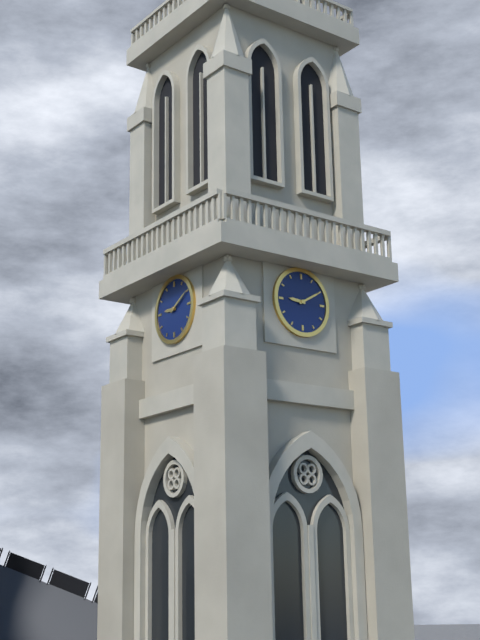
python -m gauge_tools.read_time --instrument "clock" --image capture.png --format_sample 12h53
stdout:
9h10
